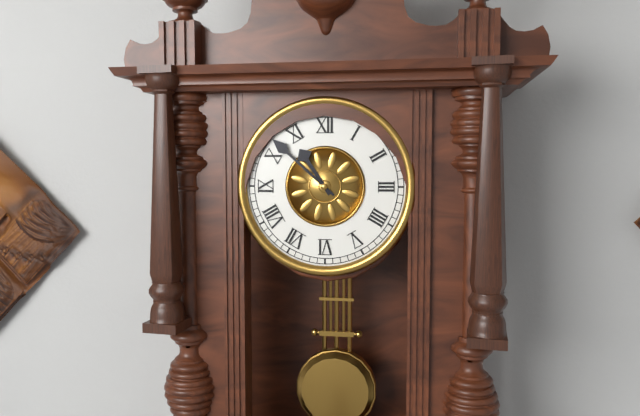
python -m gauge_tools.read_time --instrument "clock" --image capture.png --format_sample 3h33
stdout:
10h52
